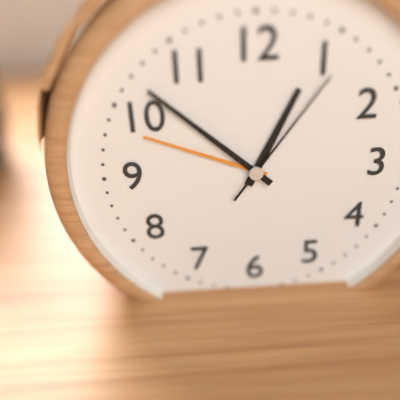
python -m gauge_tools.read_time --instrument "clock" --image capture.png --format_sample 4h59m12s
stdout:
12h52m06s
